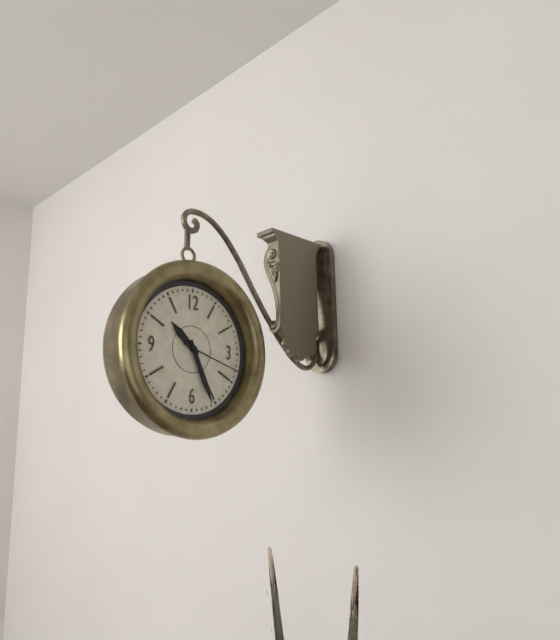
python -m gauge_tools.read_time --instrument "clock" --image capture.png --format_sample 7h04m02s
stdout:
10h26m18s
